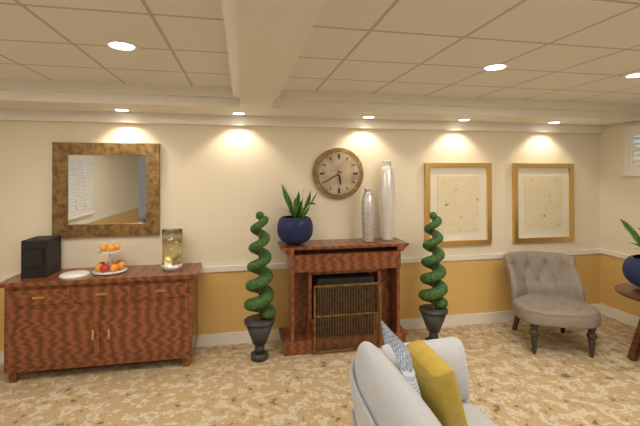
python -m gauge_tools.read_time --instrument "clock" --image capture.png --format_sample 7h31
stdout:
5h40
